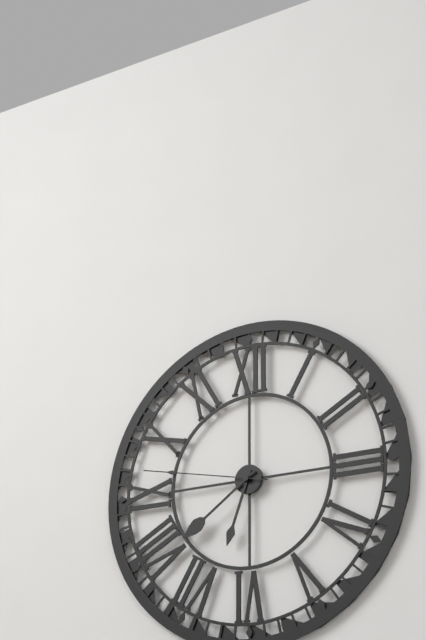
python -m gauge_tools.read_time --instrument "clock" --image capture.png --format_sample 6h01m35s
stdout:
6h39m47s
